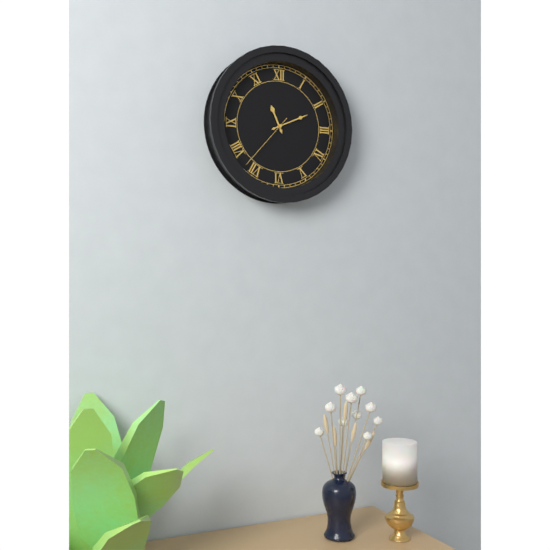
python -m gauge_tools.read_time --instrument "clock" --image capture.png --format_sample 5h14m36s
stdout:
11h11m37s
